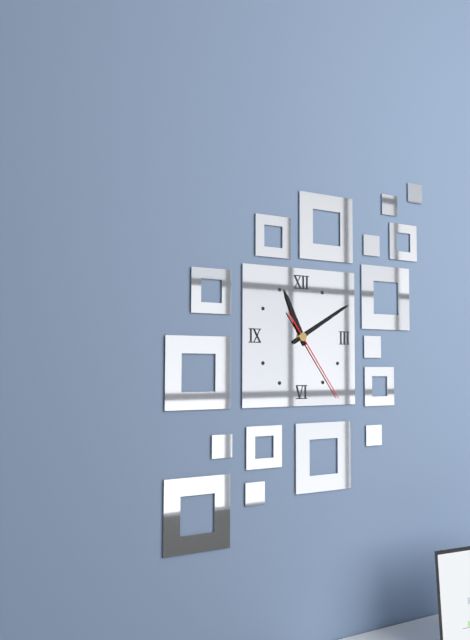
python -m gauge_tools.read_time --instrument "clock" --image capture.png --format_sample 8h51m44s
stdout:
11h10m24s
